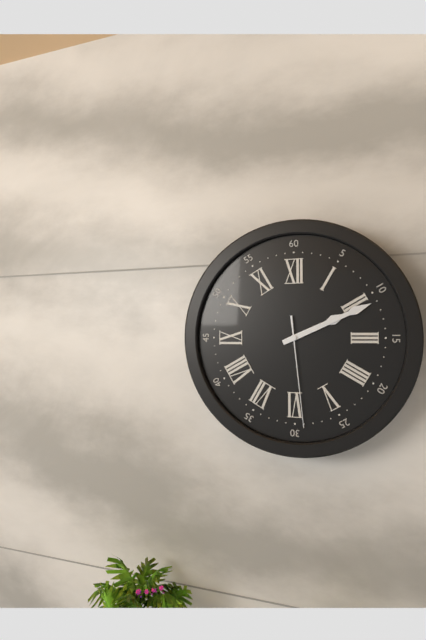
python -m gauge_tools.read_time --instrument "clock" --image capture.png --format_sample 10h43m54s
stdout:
2h11m29s
